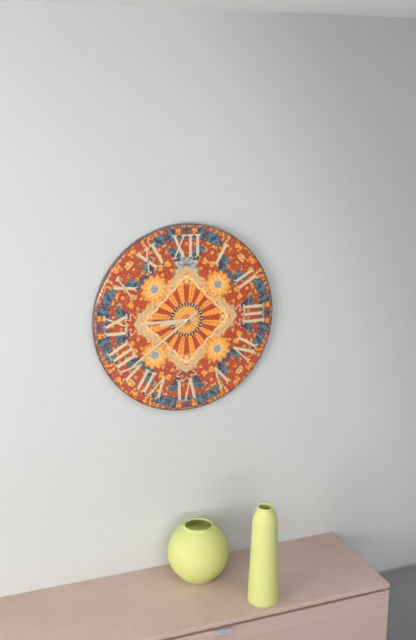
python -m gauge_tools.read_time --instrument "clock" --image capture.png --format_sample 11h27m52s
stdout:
8h45m39s
